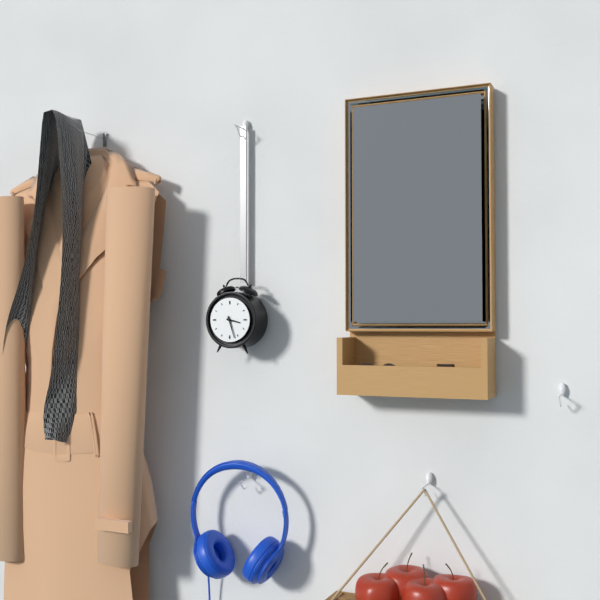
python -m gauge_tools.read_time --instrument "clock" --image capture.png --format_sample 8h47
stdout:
3h27
